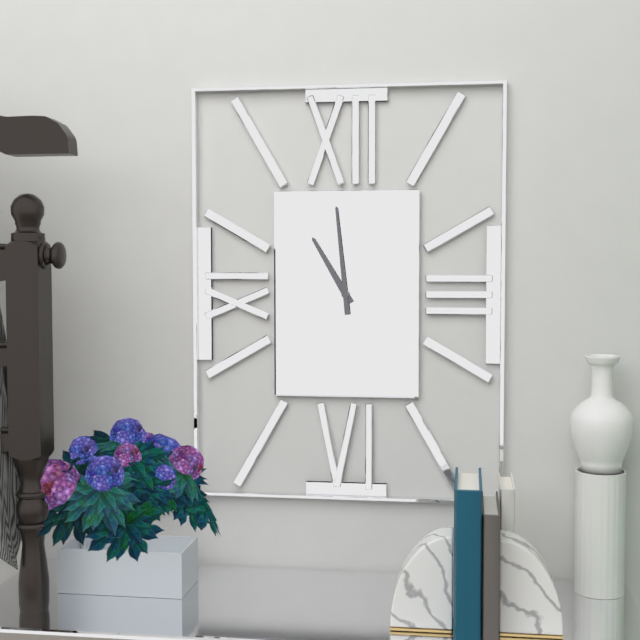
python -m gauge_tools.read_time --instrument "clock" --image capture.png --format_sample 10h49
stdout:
10h59
